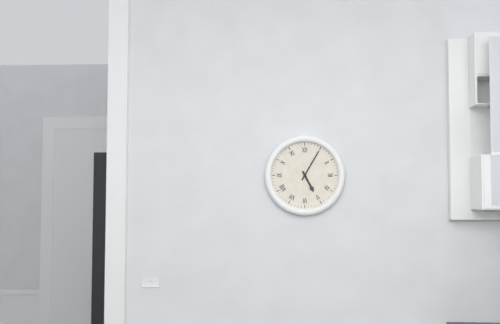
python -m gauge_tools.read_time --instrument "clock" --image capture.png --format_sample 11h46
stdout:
5h05
